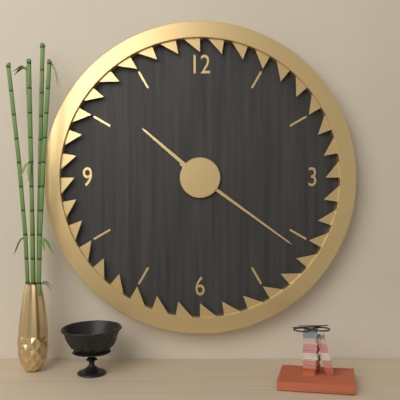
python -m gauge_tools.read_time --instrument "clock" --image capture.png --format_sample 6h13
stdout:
10h21
